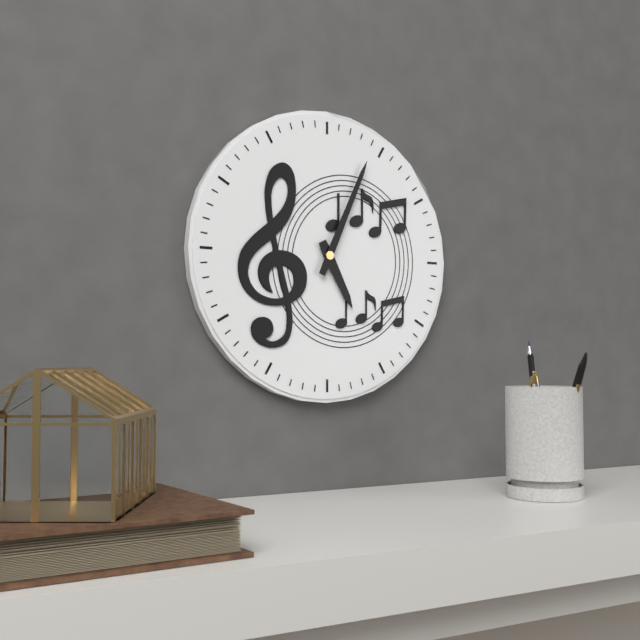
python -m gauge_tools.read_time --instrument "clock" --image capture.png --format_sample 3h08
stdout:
5h04
